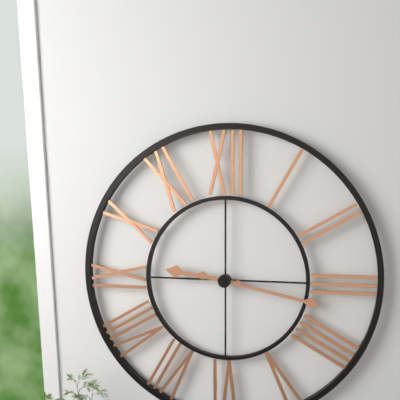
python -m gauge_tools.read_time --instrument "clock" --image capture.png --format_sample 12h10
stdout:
9h17
